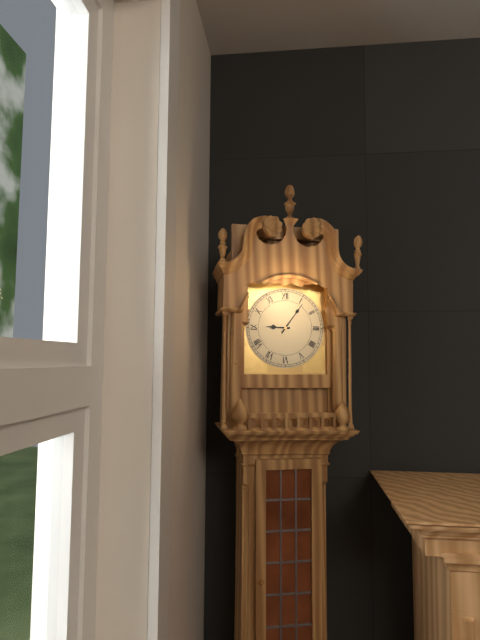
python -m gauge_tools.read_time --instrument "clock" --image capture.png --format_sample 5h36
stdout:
9h06
